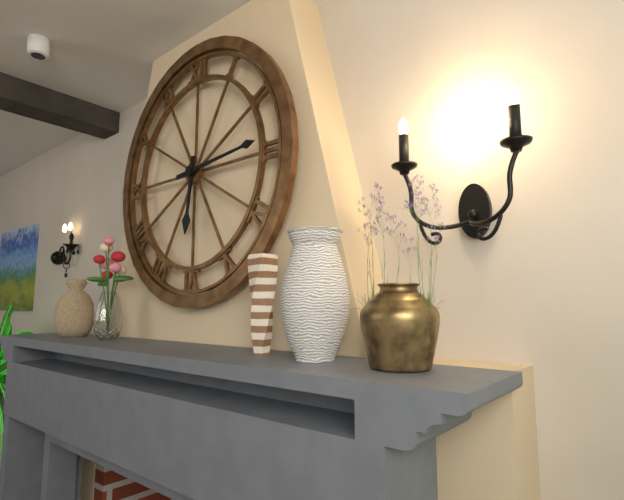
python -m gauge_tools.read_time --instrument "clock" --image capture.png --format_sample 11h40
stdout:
6h14
